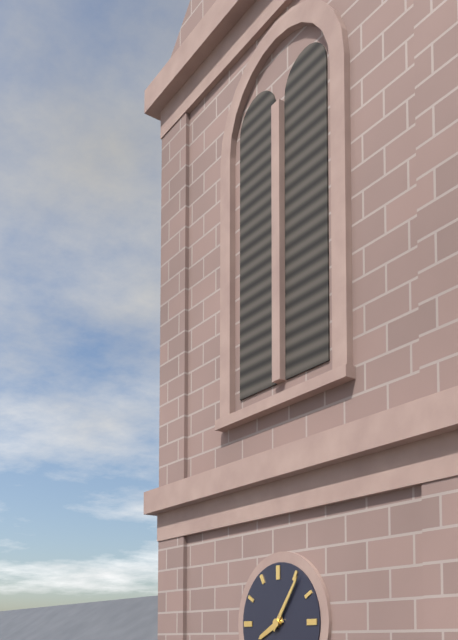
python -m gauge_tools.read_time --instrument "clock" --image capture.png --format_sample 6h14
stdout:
8h06
